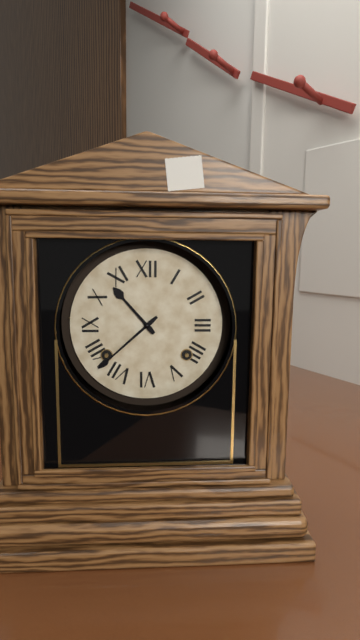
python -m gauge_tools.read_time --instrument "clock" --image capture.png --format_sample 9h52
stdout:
10h38
